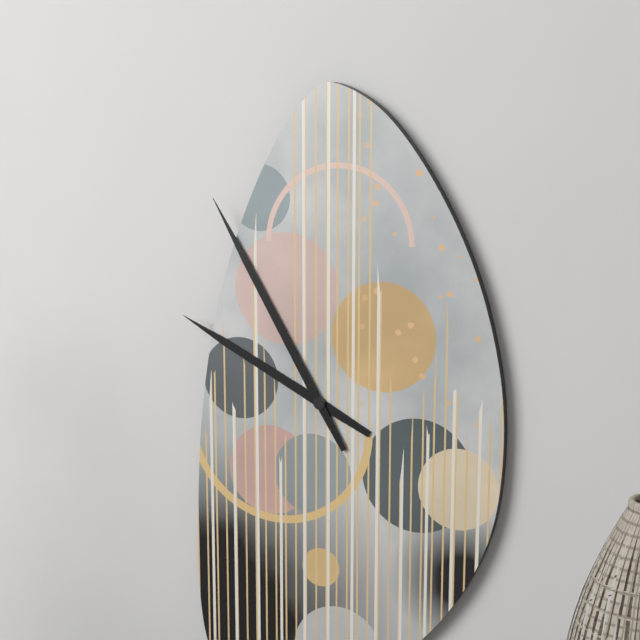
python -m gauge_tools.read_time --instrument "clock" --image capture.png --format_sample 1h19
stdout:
9h55
